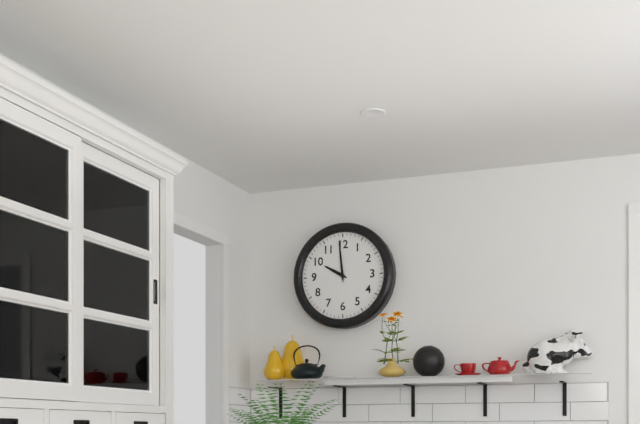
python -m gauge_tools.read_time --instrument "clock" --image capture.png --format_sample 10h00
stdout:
9h59
